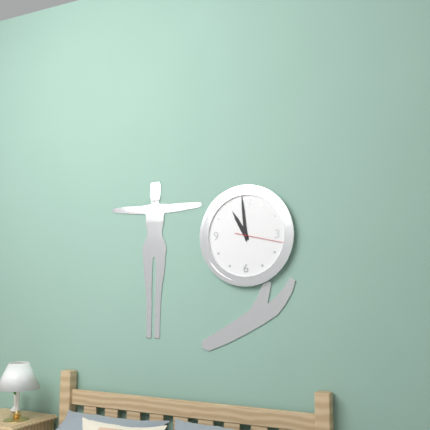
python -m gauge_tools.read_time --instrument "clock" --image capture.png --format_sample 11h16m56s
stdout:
10h59m17s
